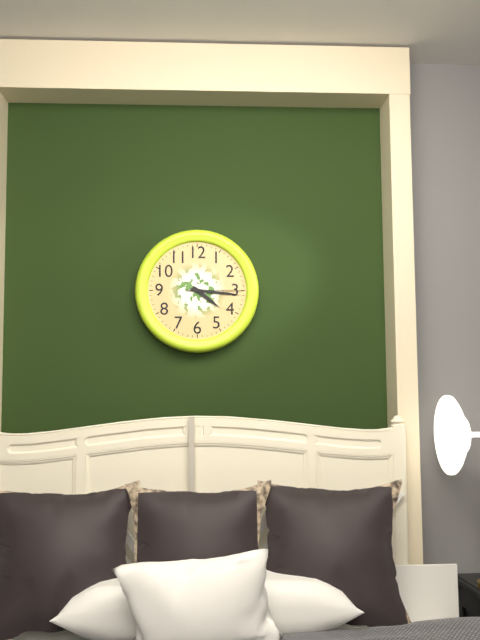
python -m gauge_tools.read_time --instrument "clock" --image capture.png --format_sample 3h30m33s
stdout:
4h16m15s
